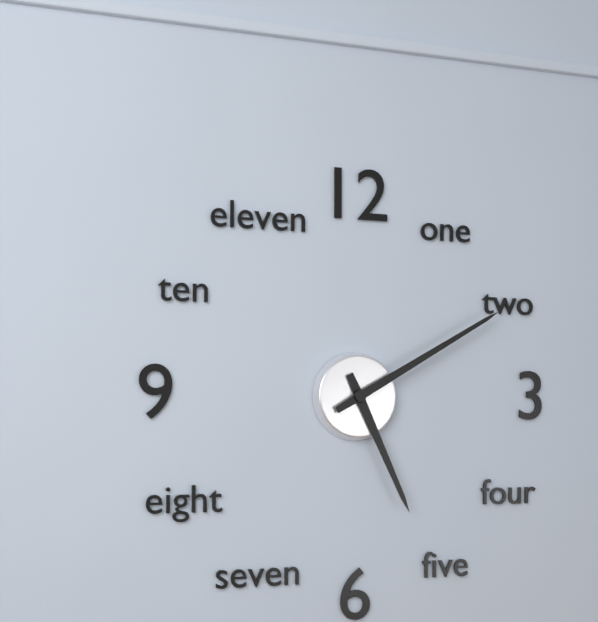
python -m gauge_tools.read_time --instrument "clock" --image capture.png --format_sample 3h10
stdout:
5h10
